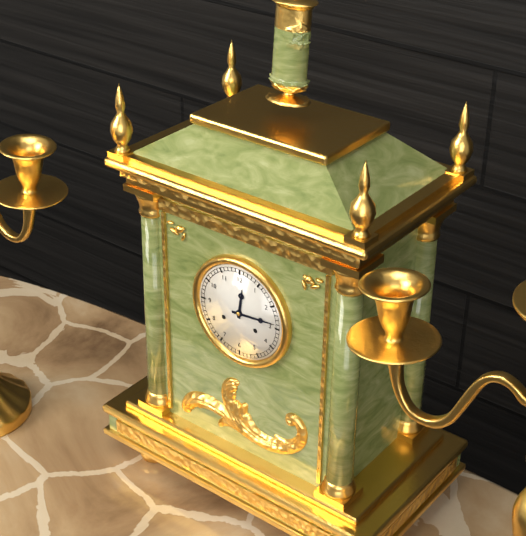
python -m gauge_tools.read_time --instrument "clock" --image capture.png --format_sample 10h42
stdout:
12h14
